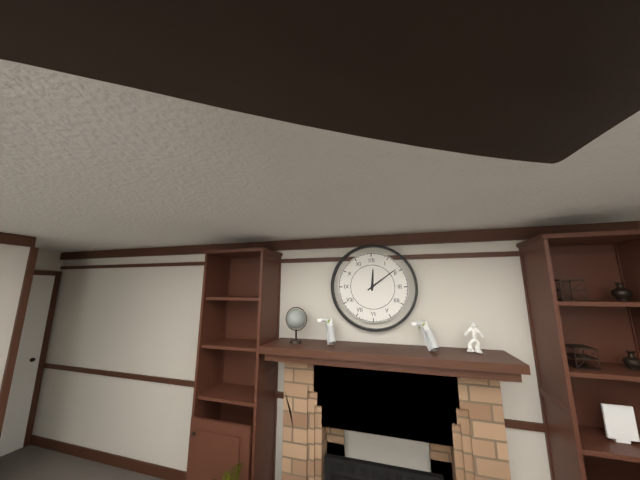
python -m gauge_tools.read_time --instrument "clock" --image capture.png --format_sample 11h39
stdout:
12h09
